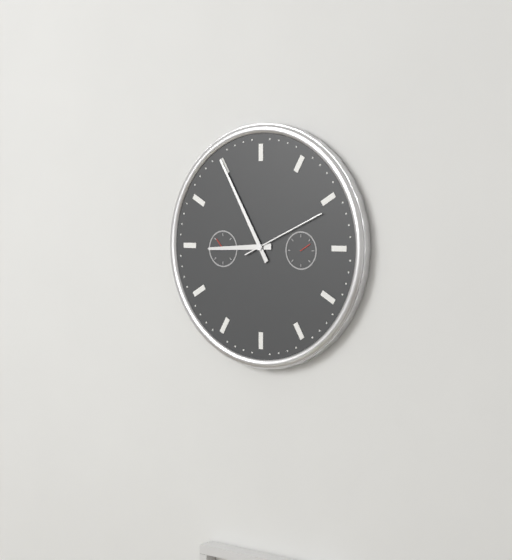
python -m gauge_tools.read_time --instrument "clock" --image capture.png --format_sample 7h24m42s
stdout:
8h55m11s
